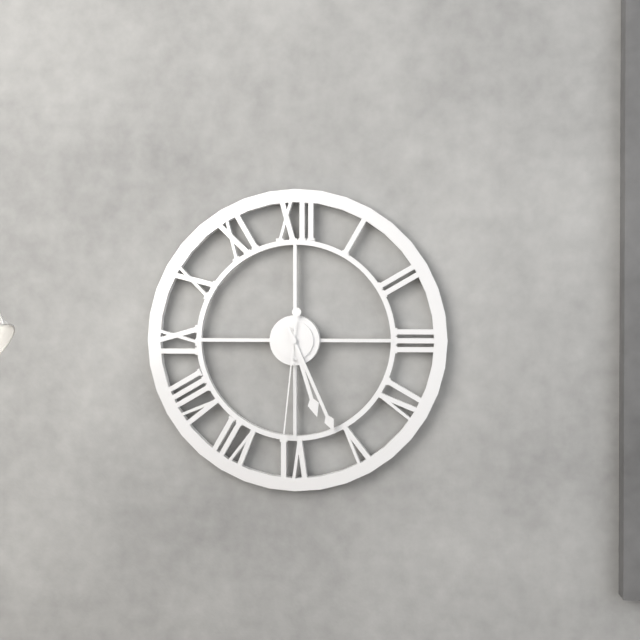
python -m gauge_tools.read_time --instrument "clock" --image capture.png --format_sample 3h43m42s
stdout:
5h26m31s
